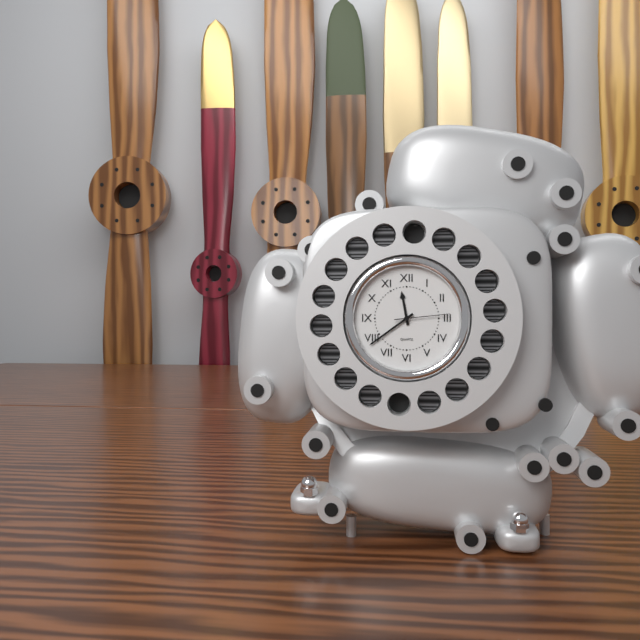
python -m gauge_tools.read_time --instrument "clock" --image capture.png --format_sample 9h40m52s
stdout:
11h39m14s
